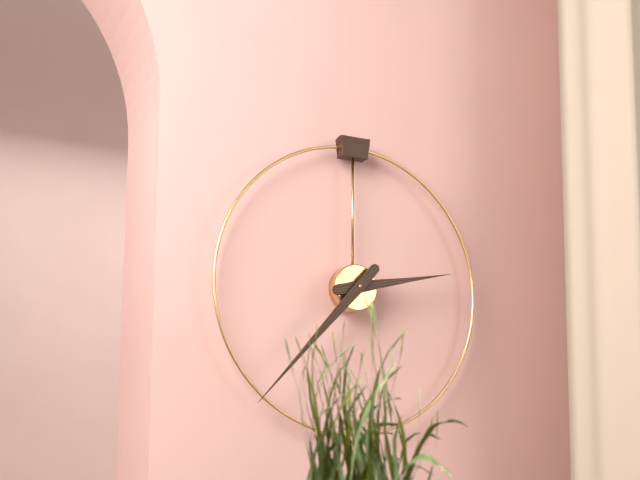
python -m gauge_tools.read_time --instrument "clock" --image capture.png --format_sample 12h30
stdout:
2h37
